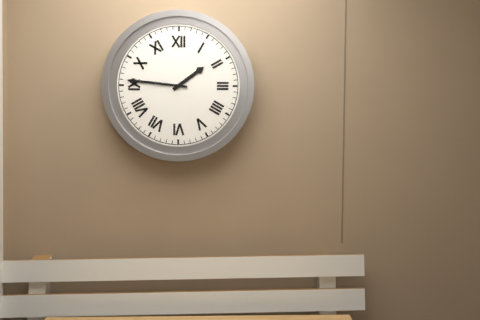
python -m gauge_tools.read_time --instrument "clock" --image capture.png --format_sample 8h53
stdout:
1h46
